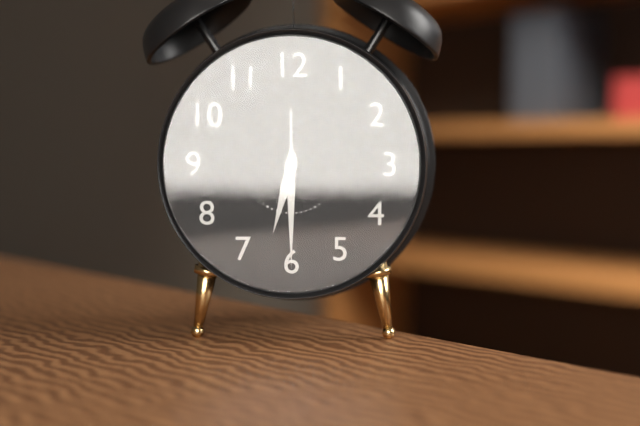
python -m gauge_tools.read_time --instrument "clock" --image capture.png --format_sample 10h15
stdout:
6h30
